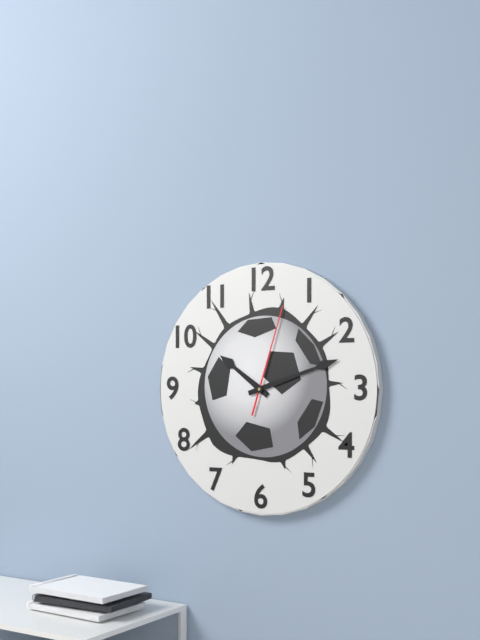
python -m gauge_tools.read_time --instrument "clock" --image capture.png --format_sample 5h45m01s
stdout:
10h12m03s
